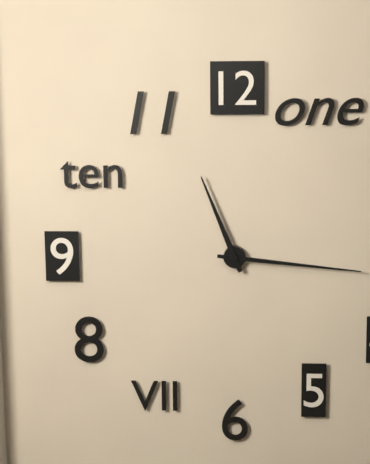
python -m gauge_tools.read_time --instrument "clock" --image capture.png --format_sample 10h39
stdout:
11h16
